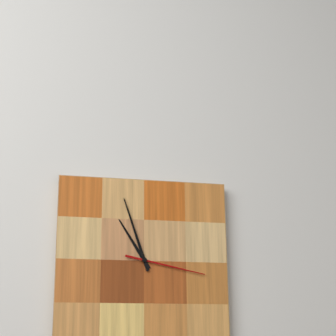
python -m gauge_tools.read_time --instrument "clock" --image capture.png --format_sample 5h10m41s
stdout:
10h57m17s
